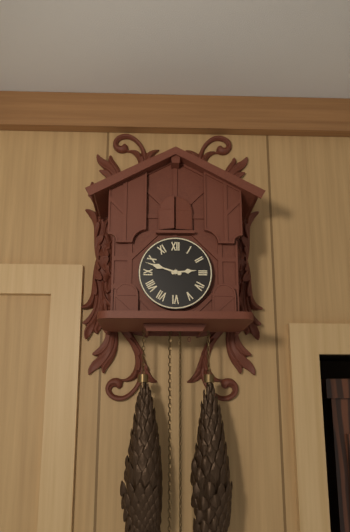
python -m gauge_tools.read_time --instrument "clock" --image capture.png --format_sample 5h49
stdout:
2h48
